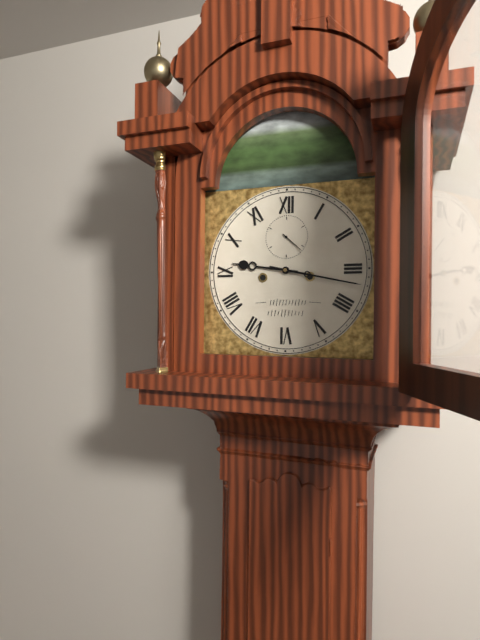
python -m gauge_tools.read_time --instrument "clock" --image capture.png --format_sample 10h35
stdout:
9h17
